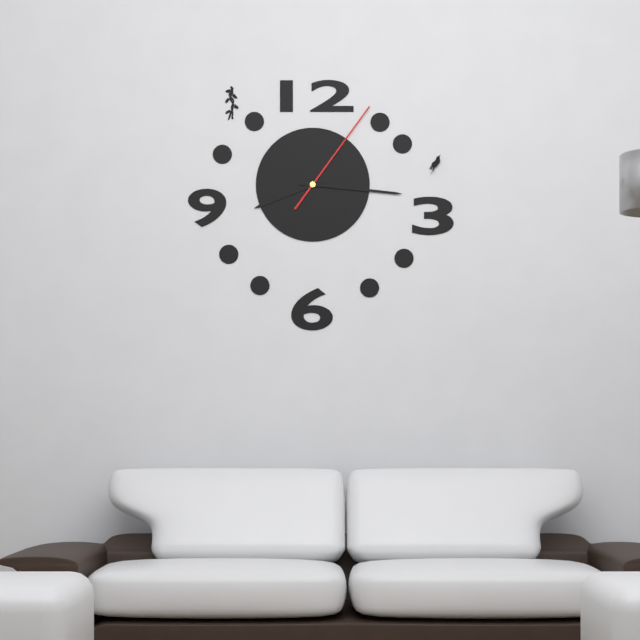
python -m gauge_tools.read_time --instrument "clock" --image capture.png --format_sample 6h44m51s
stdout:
8h16m06s
